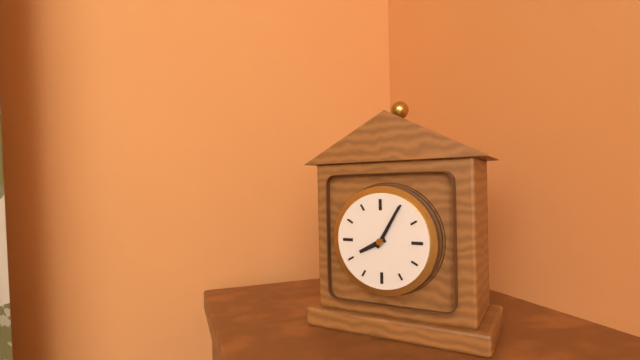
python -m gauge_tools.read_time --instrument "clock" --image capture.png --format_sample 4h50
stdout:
8h05
